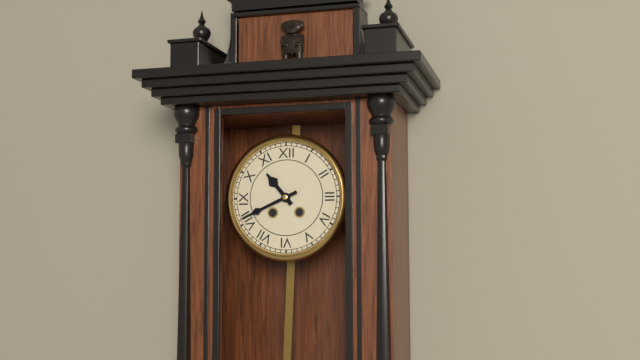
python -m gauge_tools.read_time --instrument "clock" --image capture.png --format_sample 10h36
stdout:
10h41
